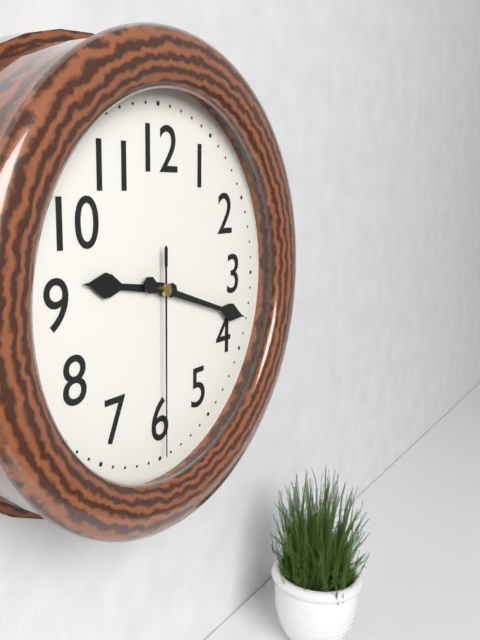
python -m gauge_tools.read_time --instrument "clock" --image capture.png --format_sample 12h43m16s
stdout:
9h18m30s
